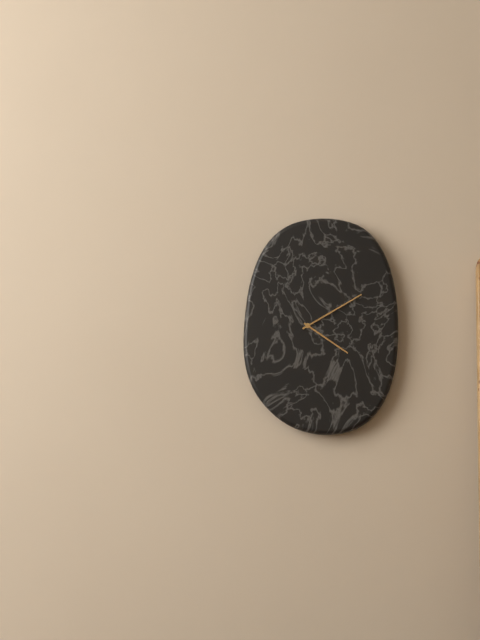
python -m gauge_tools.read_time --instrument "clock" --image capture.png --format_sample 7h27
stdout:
4h10
